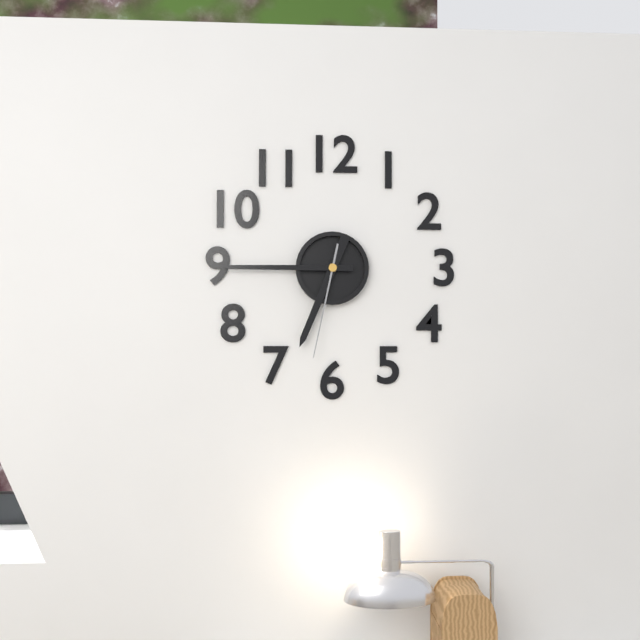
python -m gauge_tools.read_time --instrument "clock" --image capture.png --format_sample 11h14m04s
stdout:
6h45m32s
